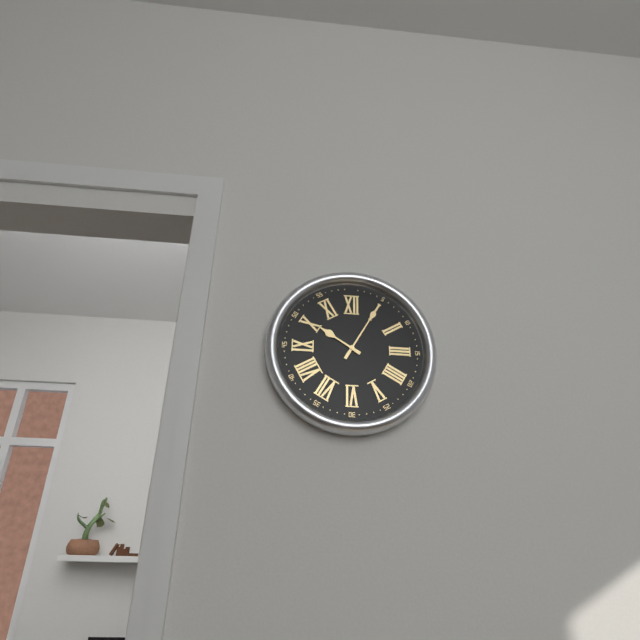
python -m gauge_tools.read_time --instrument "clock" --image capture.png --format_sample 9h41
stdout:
10h05
